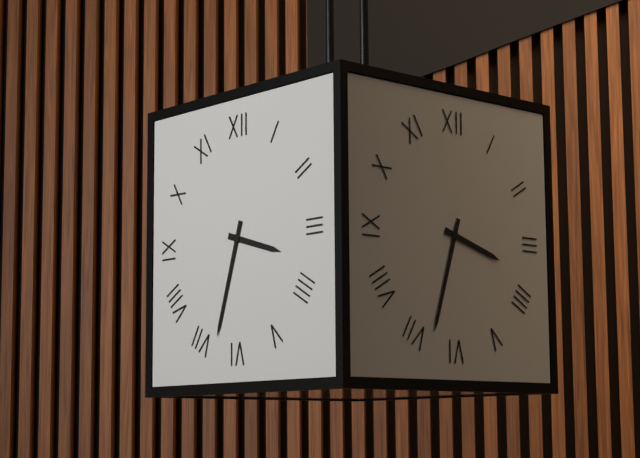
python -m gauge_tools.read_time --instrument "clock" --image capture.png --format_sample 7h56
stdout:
3h33
